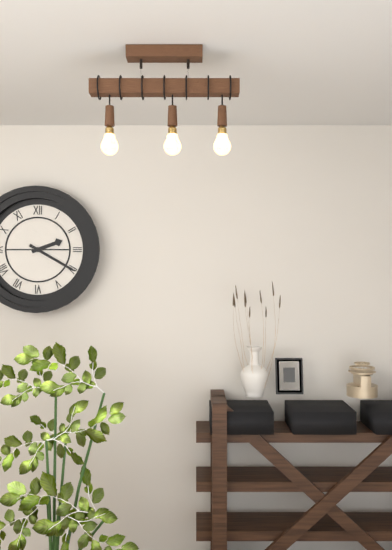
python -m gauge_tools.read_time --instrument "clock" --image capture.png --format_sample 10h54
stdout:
2h20
